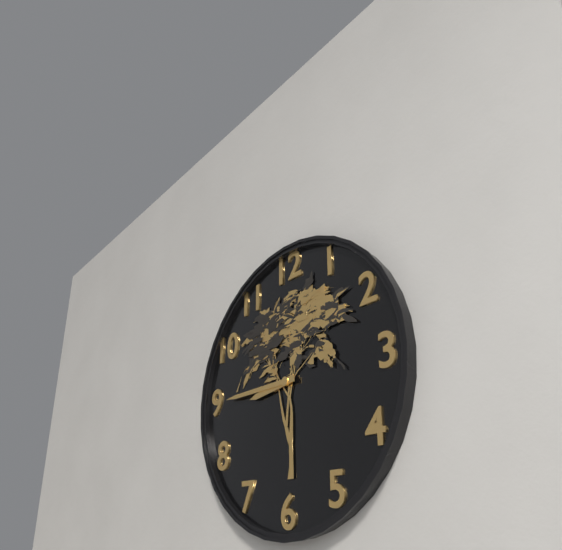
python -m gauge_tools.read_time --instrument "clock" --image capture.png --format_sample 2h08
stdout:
8h45
